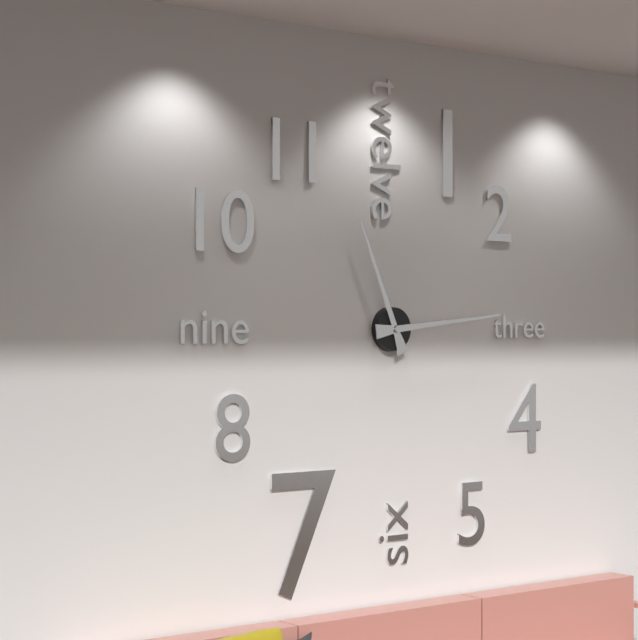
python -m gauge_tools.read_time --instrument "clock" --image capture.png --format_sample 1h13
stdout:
11h14
